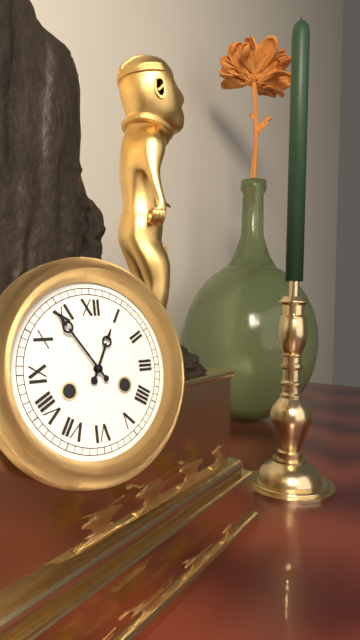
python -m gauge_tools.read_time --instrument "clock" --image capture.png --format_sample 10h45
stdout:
12h54
